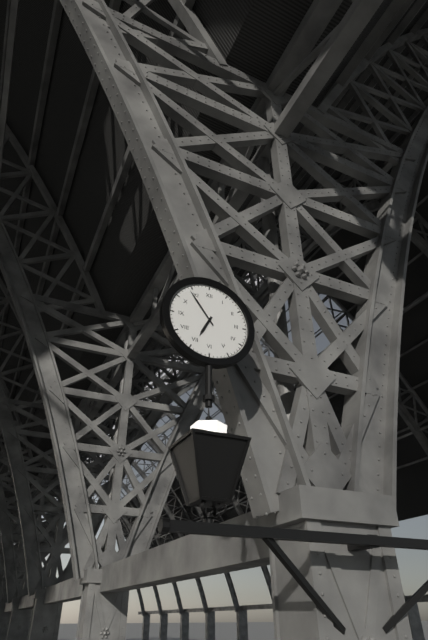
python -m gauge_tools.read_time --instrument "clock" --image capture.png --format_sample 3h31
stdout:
6h54
